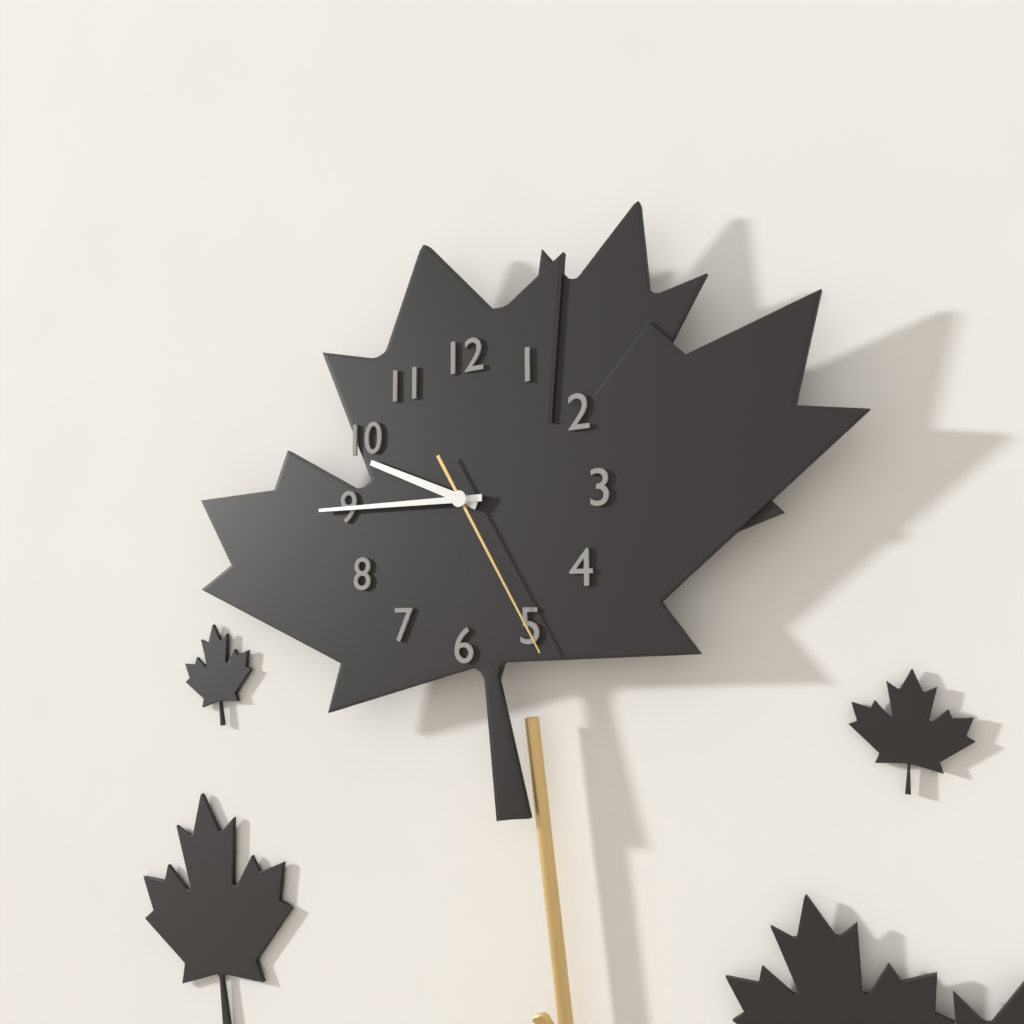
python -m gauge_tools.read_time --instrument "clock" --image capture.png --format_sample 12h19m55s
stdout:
9h45m25s
